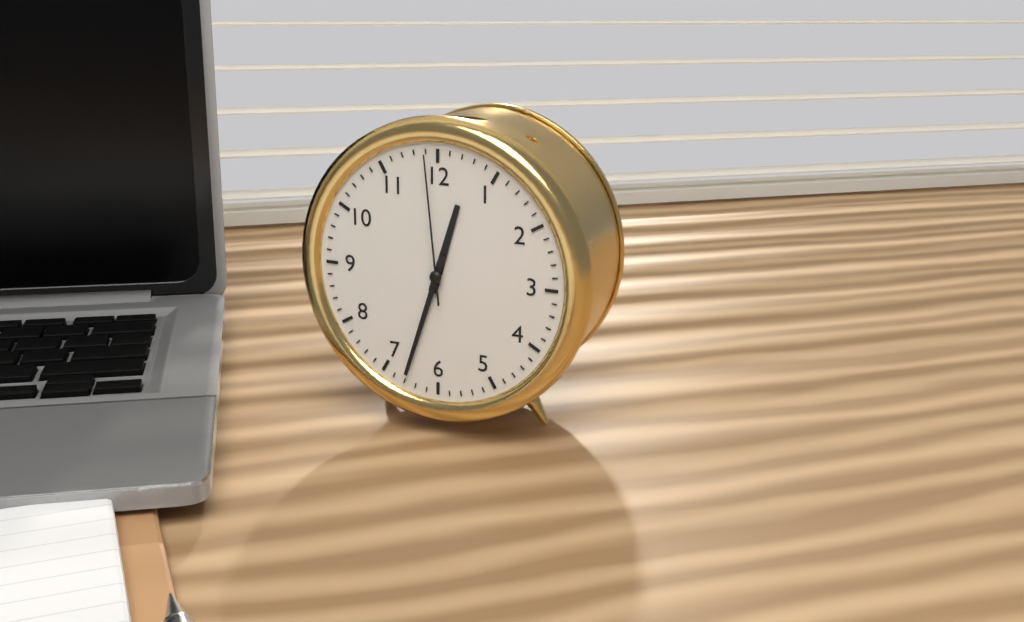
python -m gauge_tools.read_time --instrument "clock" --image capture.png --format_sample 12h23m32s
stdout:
12h33m59s
